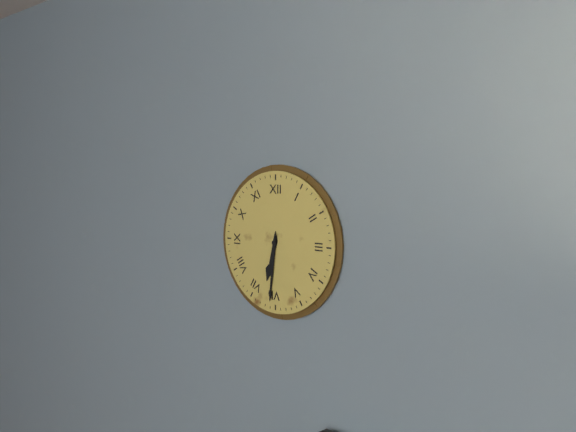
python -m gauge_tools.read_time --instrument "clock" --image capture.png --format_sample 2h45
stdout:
6h31
